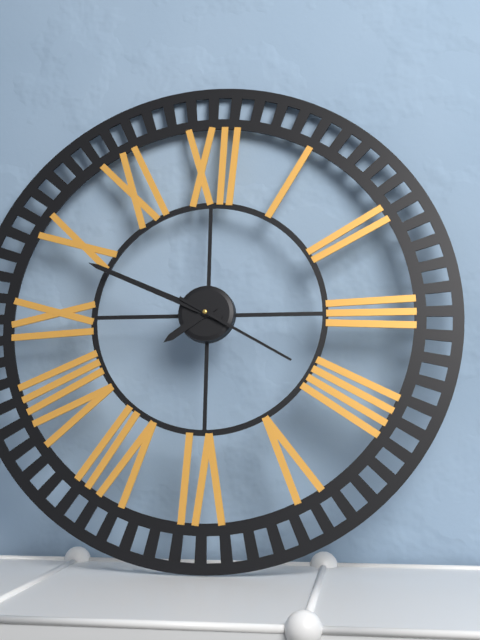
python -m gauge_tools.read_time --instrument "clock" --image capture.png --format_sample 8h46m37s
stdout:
7h49m20s
